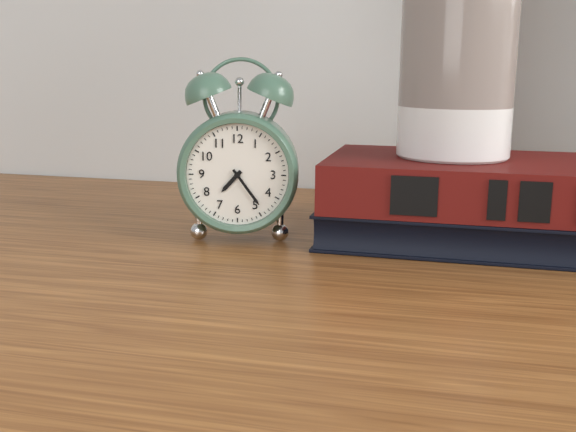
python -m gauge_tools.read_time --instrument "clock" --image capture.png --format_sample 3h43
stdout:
7h24
